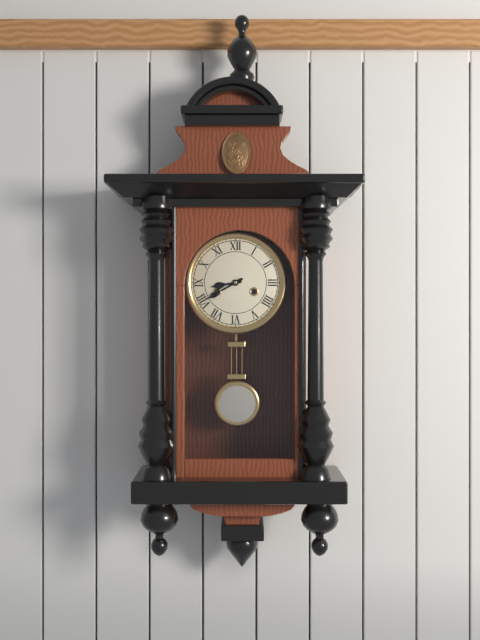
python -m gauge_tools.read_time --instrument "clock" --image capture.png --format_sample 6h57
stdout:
8h40
